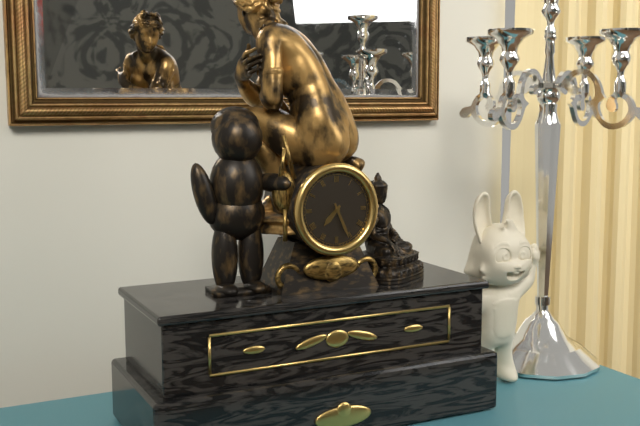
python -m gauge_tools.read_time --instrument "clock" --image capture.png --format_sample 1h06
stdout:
7h26
